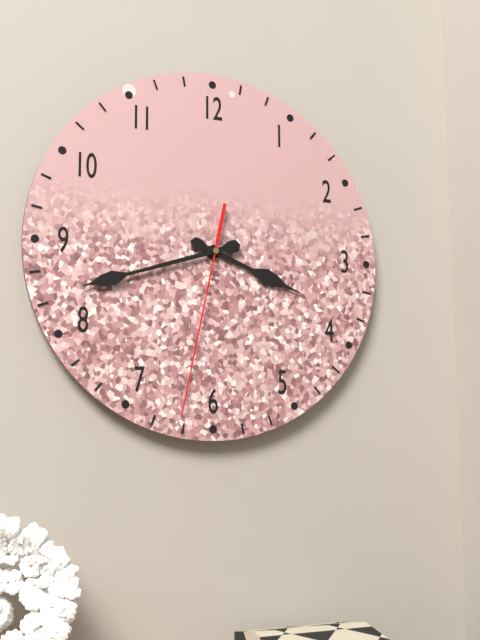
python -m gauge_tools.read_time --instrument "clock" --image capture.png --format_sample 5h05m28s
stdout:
3h42m32s
